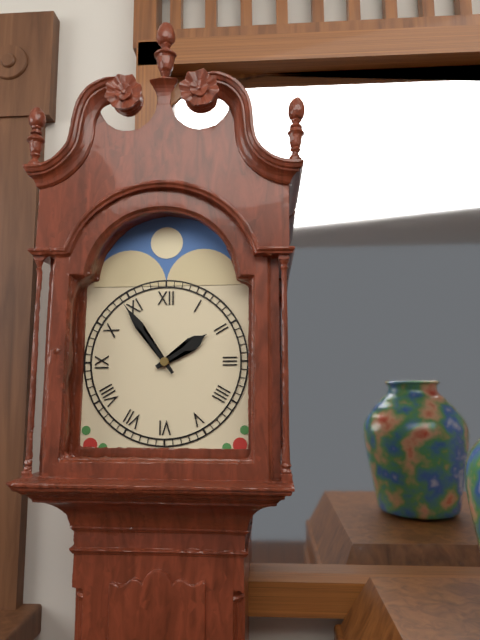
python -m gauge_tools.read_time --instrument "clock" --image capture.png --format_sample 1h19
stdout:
1h54
